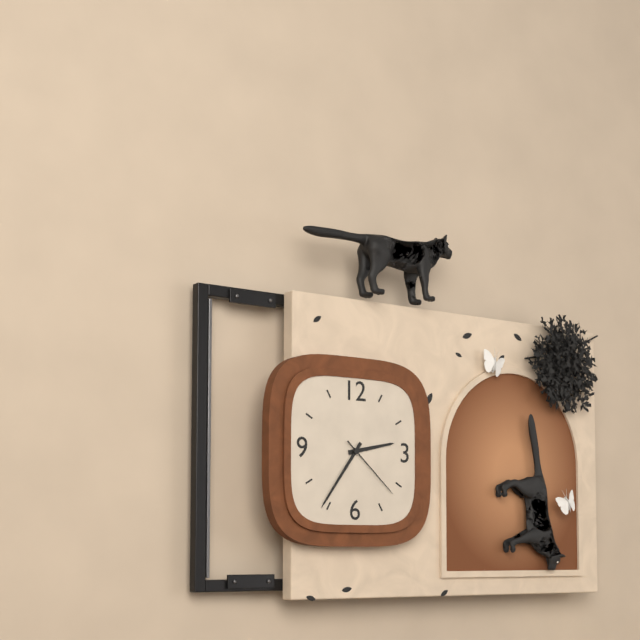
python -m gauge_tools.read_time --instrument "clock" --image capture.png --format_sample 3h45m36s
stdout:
2h36m22s
